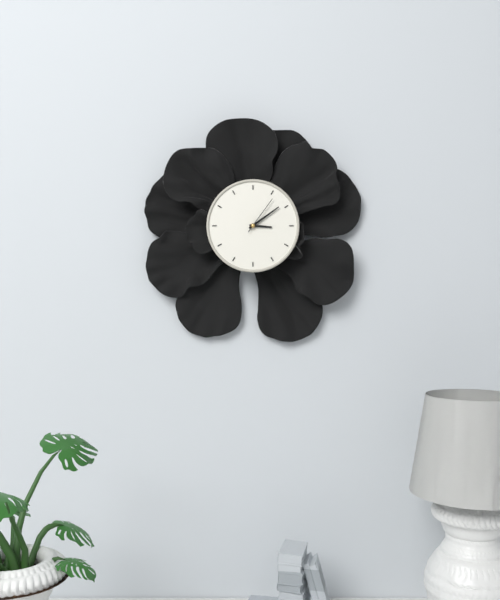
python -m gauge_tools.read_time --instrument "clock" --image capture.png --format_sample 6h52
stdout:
3h09
